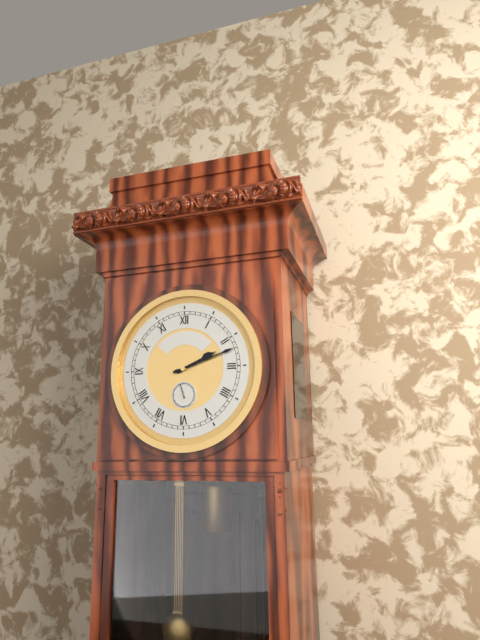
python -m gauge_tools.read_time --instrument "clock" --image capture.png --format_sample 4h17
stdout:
2h12
